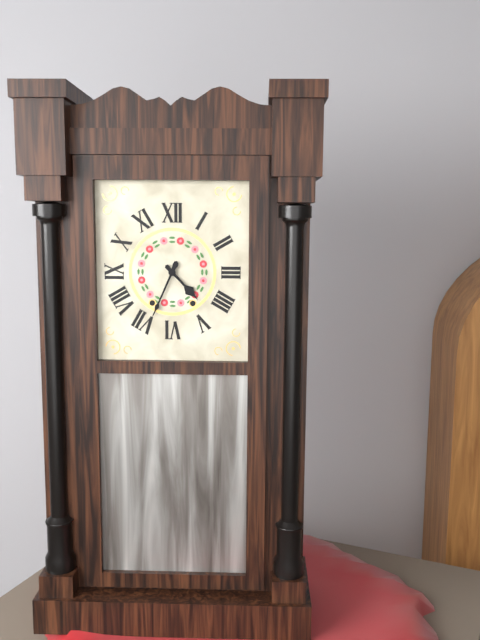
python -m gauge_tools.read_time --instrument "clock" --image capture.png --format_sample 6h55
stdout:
4h34
